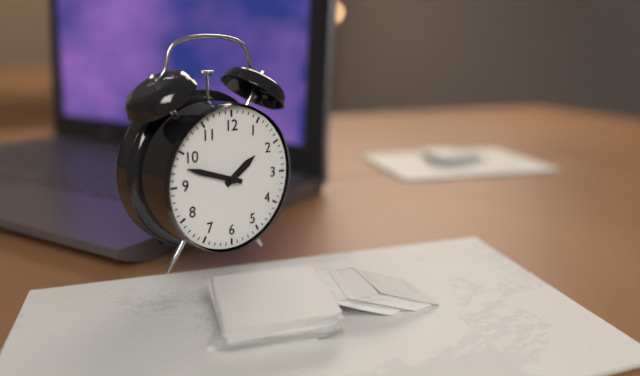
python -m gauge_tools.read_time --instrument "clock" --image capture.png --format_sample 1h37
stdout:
1h48
